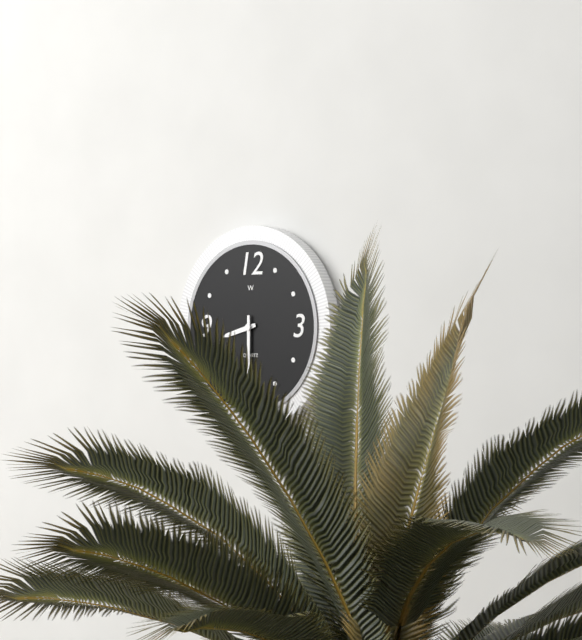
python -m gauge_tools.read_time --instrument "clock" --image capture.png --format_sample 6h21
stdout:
8h30
